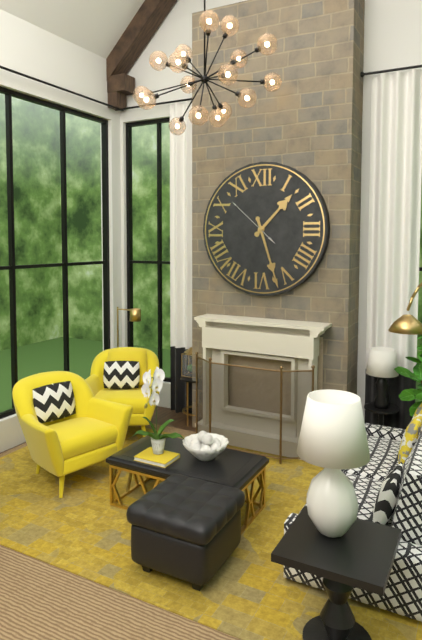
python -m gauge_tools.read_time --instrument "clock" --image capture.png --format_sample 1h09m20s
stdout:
1h27m52s
